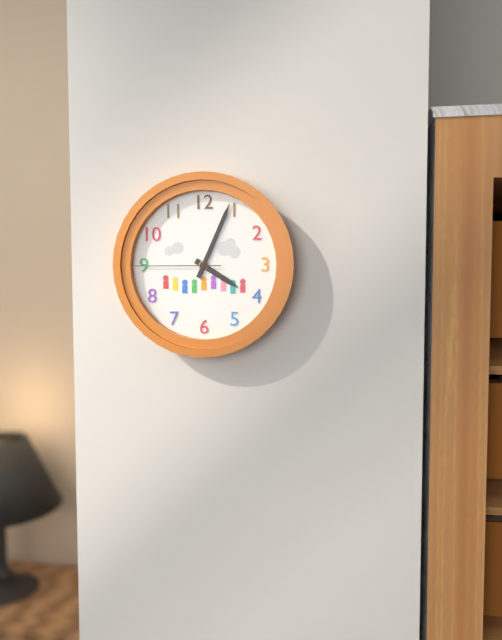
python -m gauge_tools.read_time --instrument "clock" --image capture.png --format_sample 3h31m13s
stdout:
4h04m45s
